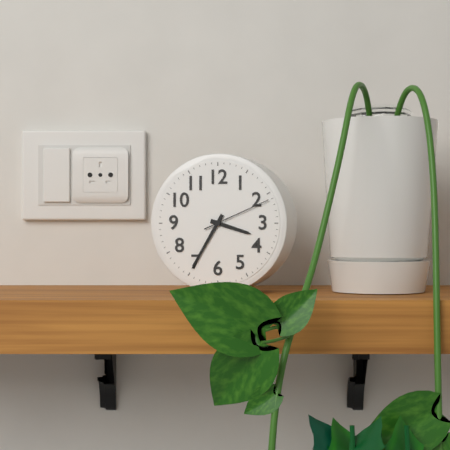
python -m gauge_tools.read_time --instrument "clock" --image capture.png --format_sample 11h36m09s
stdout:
3h35m11s
